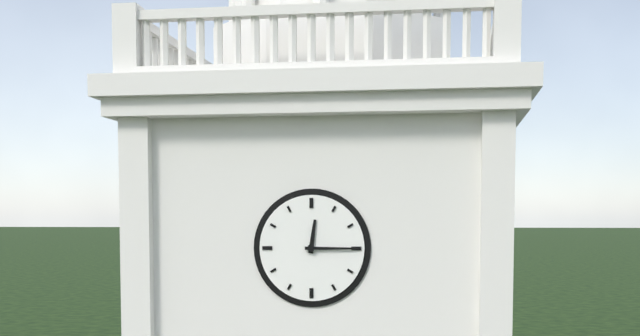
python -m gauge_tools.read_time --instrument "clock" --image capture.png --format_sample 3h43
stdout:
12h15
